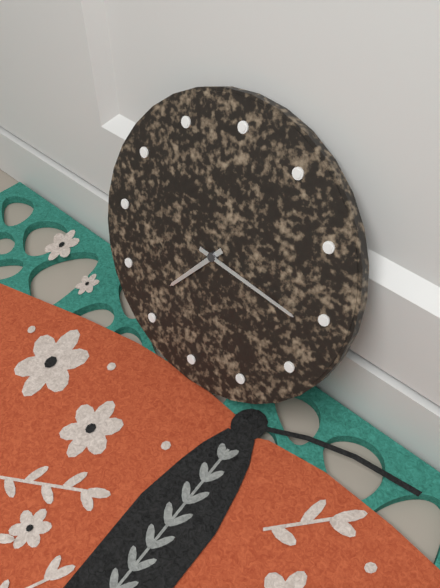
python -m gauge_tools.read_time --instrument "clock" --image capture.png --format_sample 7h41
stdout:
7h16
